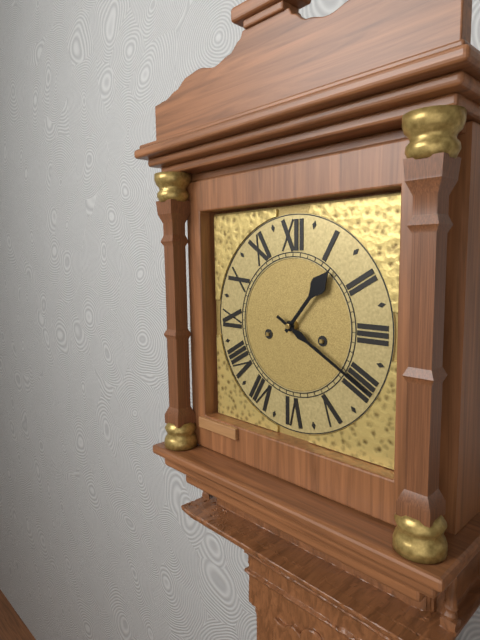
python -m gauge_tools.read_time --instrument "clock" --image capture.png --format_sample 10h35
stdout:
1h20
